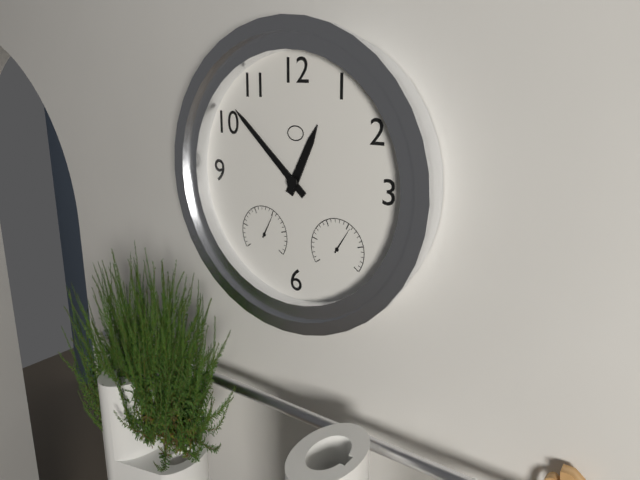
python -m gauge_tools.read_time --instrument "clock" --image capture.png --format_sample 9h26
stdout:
12h52
